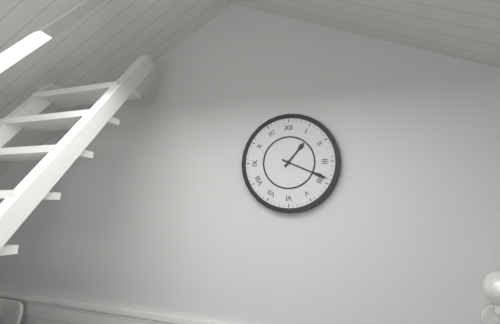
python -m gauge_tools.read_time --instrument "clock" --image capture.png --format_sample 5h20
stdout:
1h19
